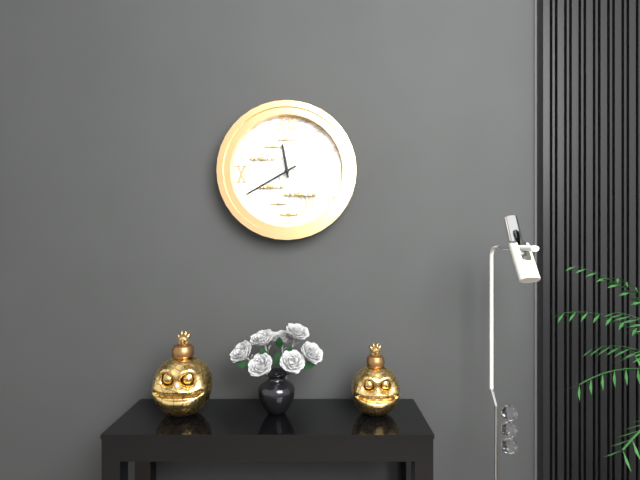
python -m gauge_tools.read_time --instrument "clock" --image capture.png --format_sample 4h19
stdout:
11h40
